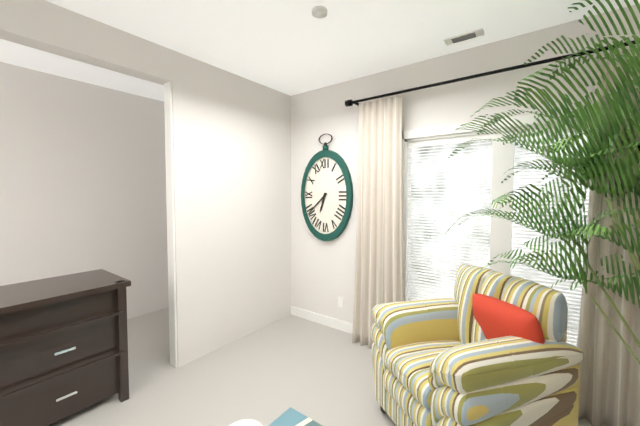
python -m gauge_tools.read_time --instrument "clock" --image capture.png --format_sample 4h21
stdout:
6h38
